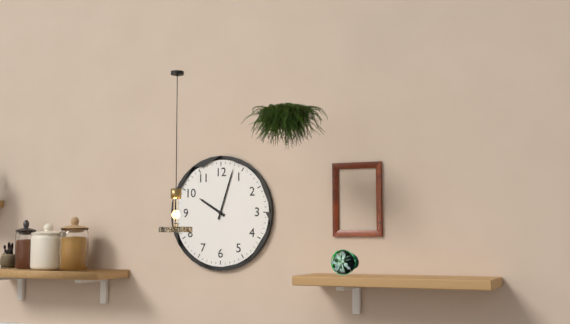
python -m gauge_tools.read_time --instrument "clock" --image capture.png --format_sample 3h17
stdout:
10h03
